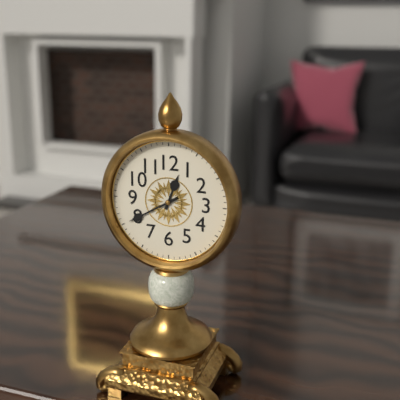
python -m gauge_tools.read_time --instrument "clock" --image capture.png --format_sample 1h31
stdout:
12h40
